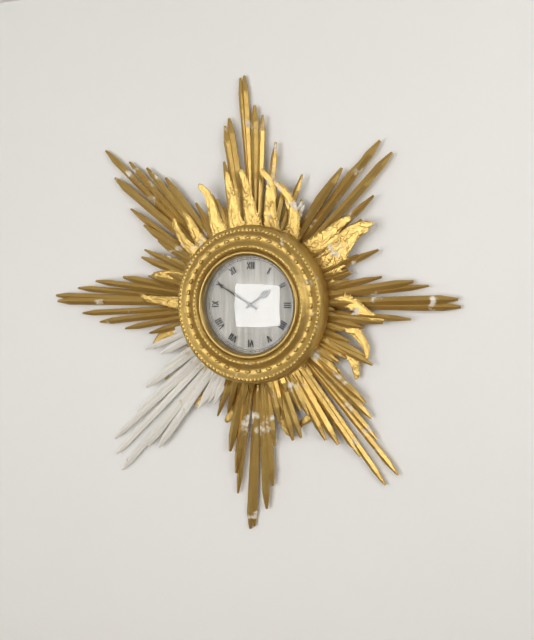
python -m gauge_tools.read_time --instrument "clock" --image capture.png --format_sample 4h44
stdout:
1h50
